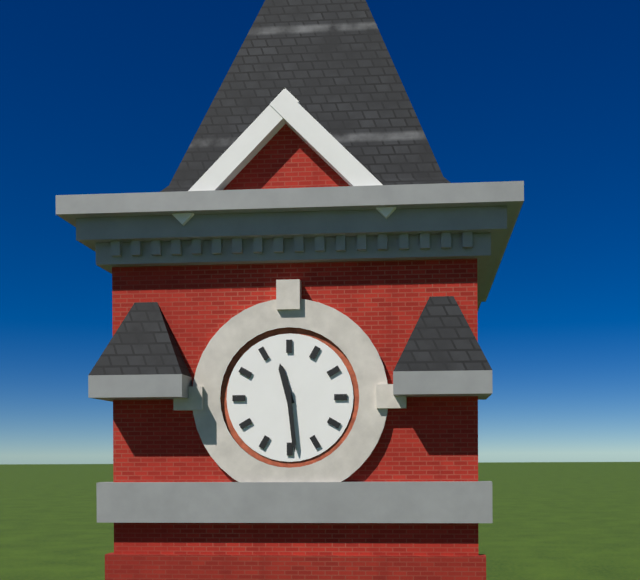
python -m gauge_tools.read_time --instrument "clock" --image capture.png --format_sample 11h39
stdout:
11h29
